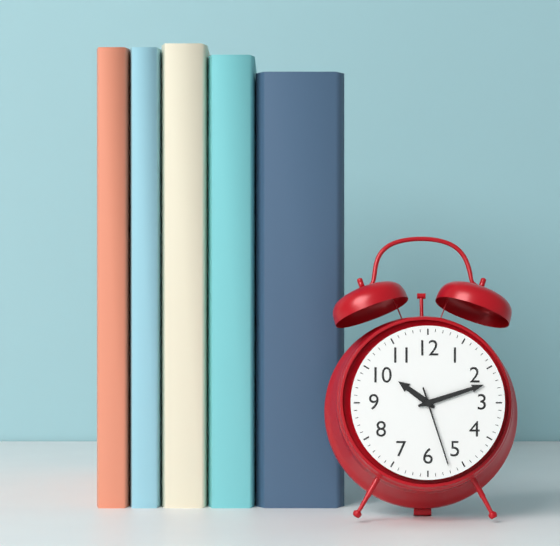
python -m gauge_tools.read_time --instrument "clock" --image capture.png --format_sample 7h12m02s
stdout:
10h12m27s
